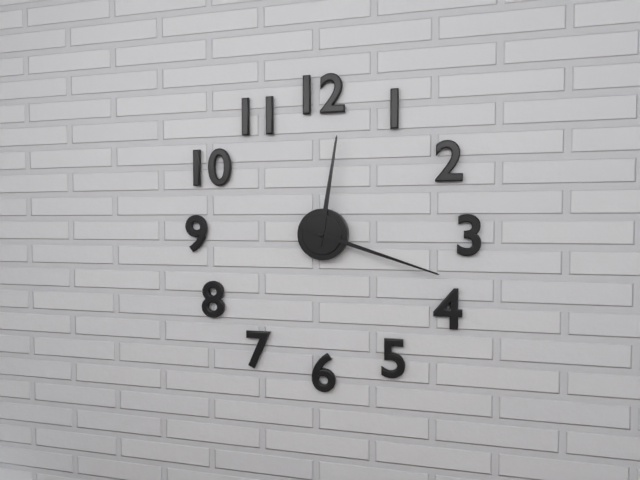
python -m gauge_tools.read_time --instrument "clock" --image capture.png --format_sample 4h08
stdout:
12h18
